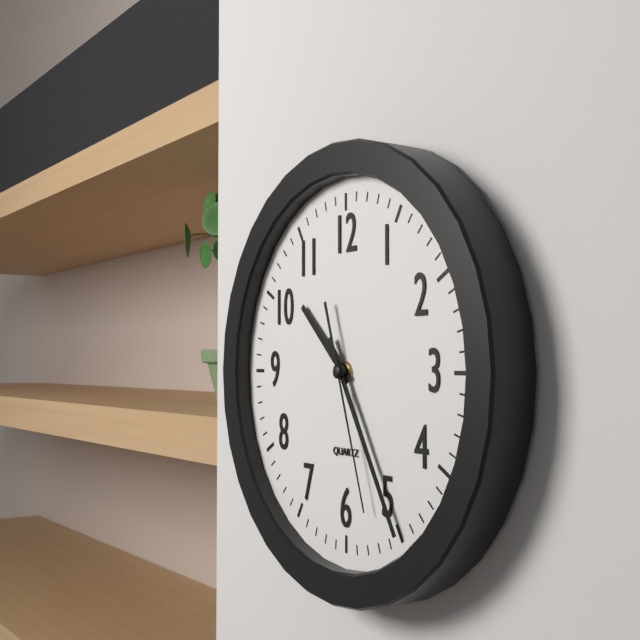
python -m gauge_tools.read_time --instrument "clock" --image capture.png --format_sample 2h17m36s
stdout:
10h25m27s
